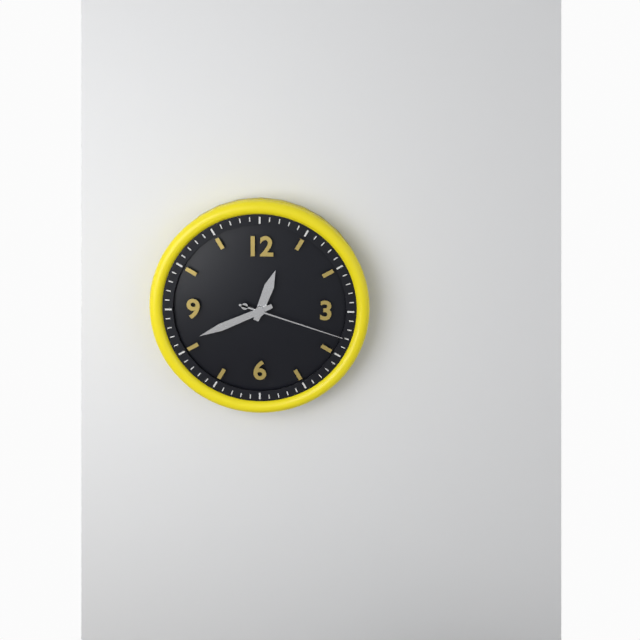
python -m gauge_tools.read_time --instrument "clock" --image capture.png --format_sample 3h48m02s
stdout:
12h41m18s
